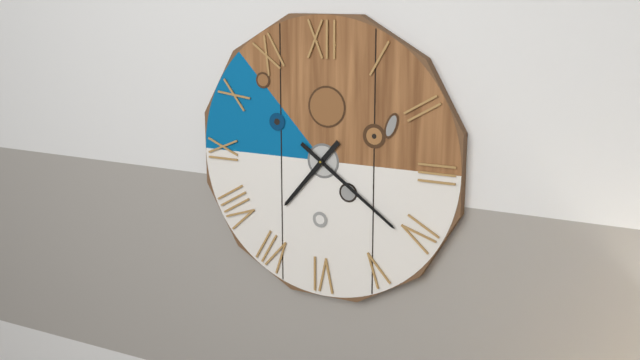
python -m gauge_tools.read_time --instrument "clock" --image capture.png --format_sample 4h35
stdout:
7h21
